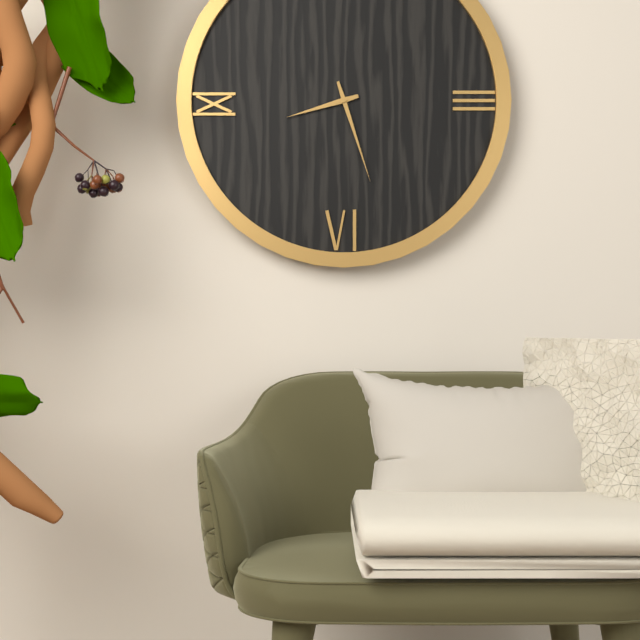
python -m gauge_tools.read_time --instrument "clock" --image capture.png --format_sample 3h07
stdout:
8h27
